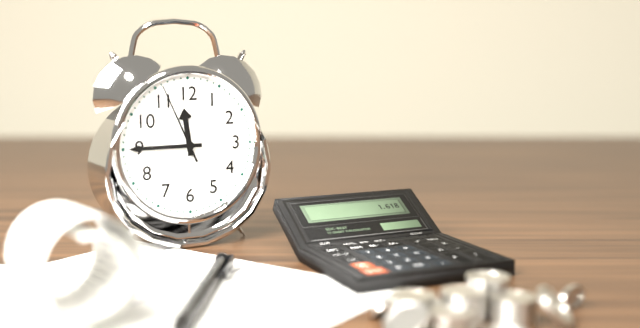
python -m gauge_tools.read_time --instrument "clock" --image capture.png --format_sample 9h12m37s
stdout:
11h45m56s
